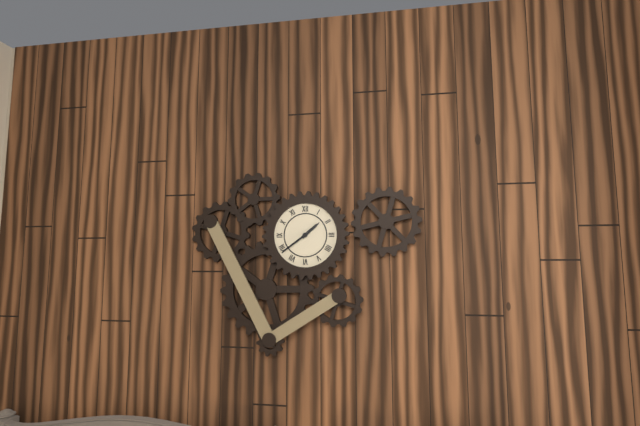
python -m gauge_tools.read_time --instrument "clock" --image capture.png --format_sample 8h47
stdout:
1h39
